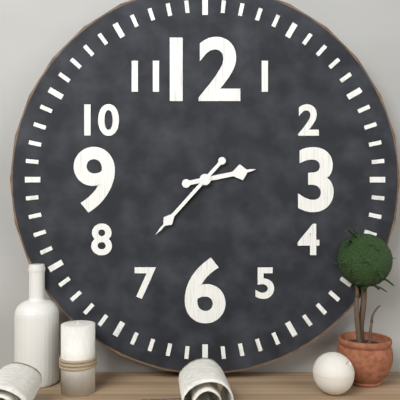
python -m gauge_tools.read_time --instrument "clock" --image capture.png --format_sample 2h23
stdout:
2h37
